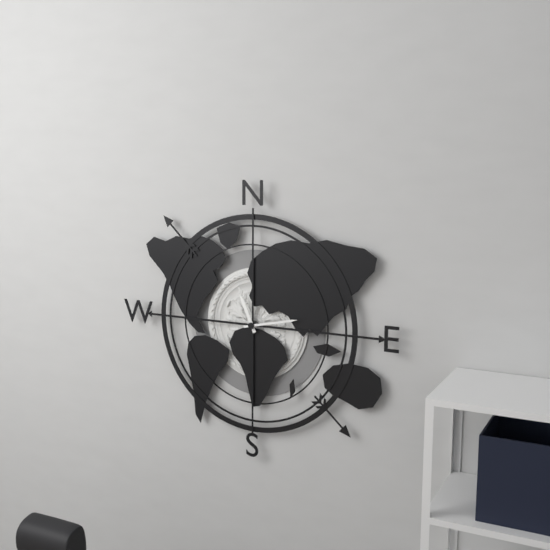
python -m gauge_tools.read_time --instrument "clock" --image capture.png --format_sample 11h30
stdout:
11h13
